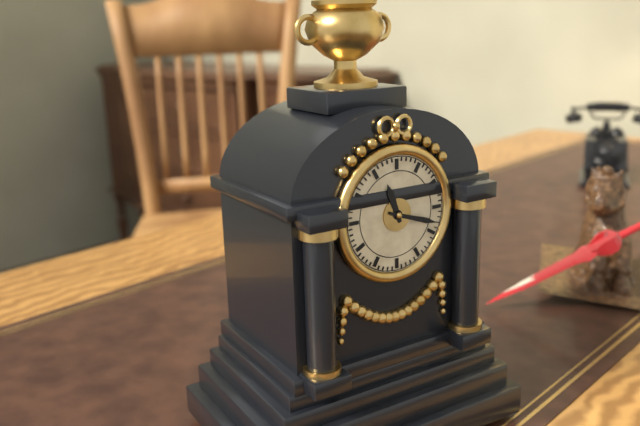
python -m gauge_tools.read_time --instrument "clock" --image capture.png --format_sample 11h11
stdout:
11h18
